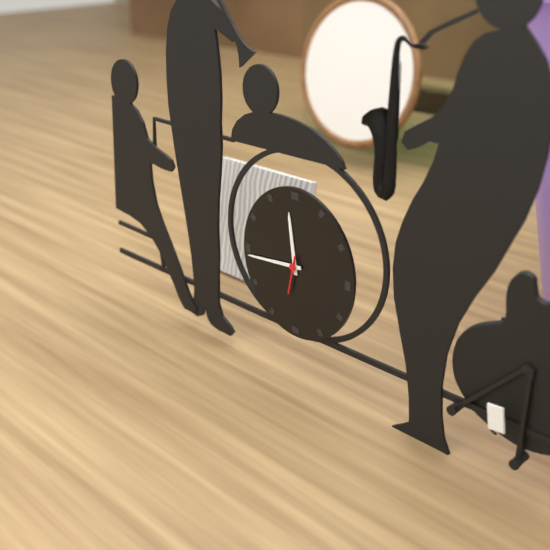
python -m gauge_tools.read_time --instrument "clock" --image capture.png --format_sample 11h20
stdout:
11h44
